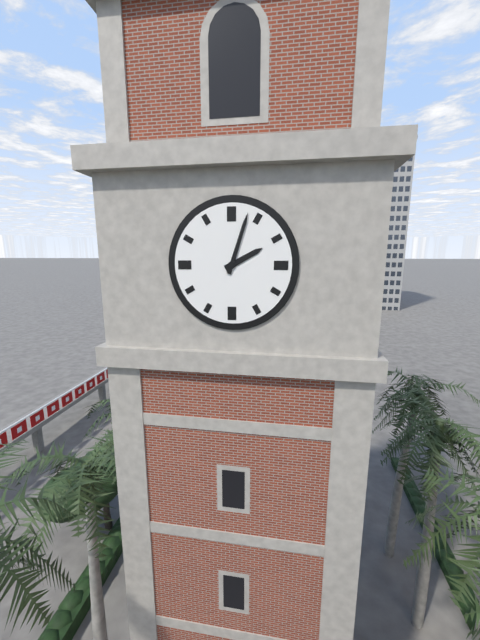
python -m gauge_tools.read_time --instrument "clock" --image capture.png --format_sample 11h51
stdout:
2h03
